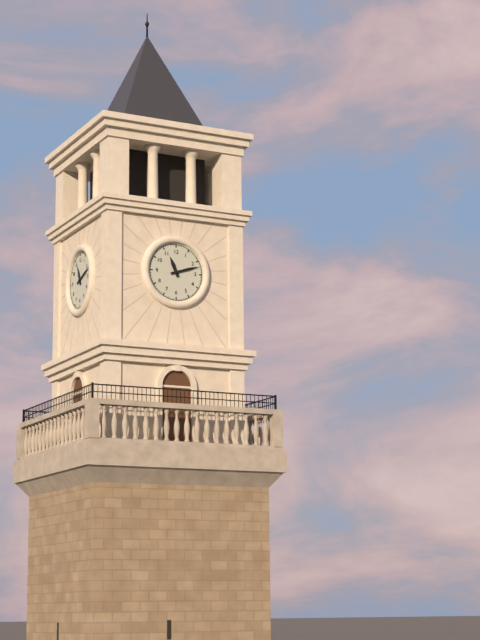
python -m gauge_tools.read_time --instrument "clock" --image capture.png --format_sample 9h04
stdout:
11h12
